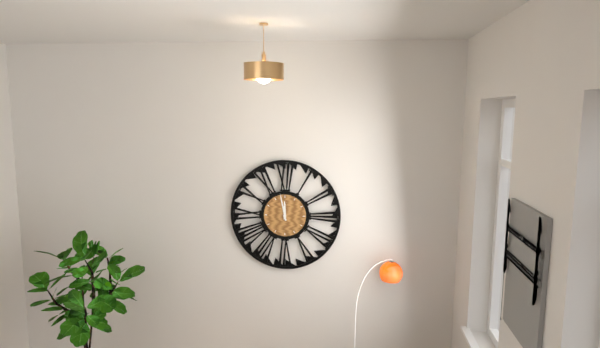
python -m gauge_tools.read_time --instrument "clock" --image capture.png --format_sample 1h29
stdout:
11h58
